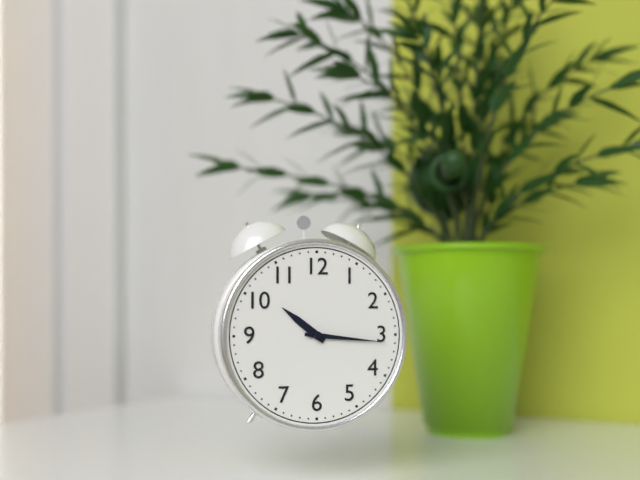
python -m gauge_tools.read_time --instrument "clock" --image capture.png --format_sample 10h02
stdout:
10h16
